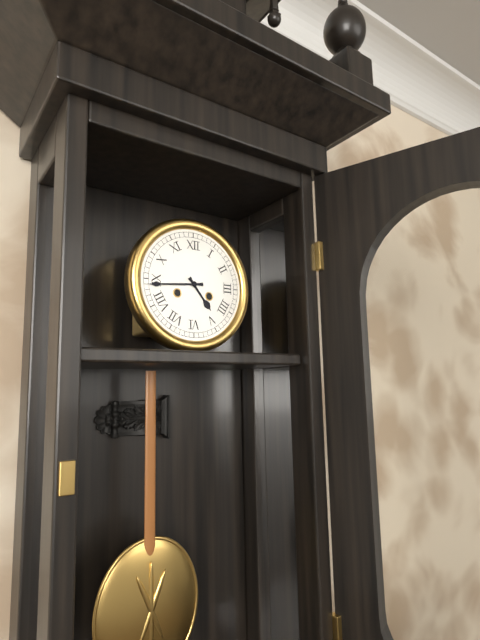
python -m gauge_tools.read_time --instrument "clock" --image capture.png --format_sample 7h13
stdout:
4h44
